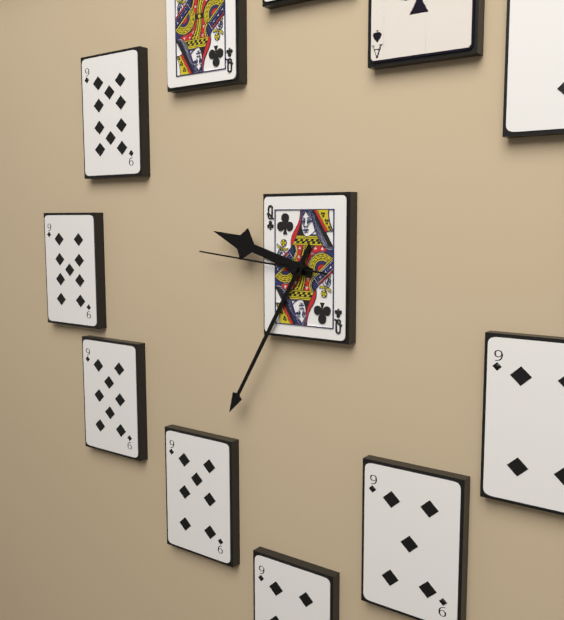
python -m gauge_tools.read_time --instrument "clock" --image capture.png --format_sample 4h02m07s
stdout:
9h35m46s
